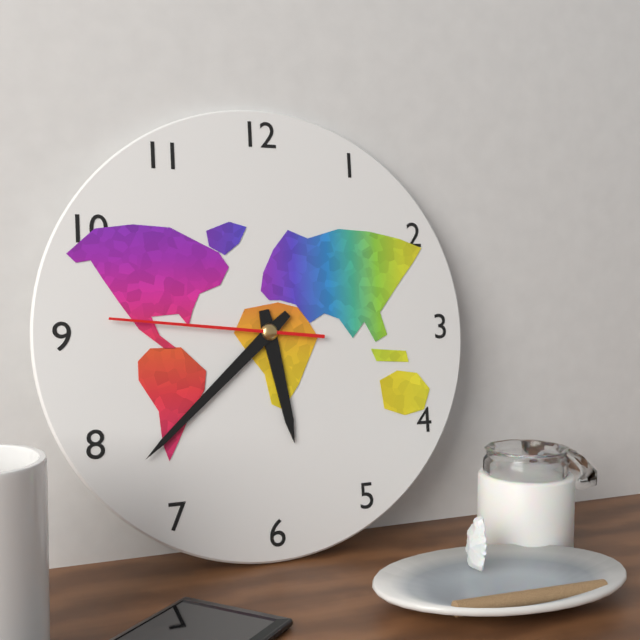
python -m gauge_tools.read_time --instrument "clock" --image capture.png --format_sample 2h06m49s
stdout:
5h38m46s
